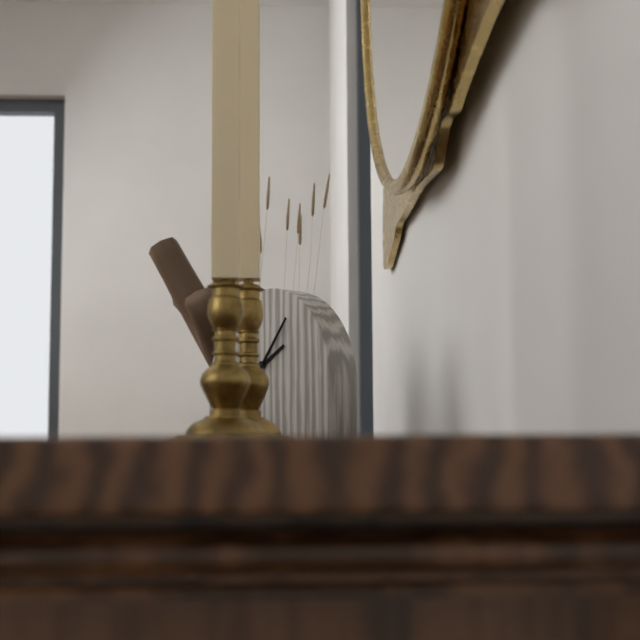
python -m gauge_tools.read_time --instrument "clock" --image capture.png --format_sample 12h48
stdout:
2h07
